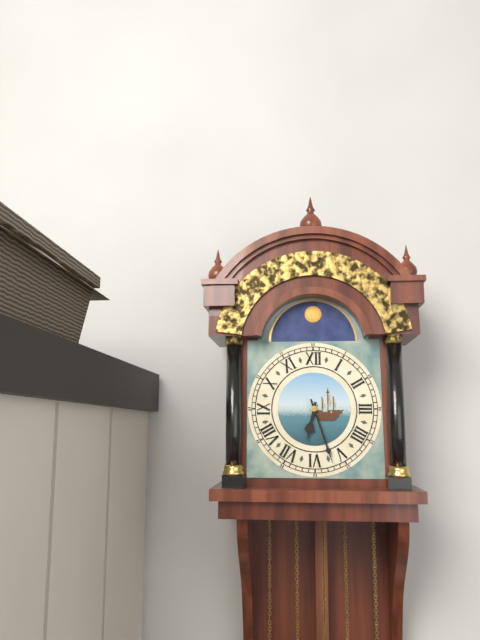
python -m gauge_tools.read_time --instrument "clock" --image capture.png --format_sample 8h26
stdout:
6h27
